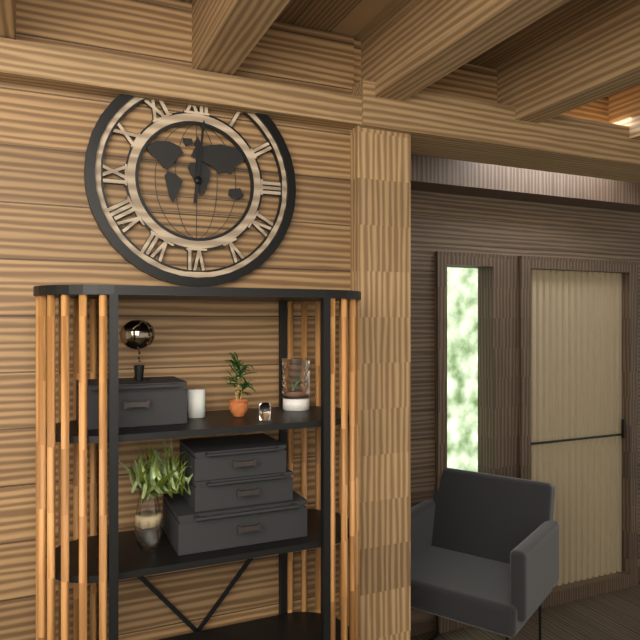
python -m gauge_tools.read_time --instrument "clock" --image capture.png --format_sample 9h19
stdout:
12h01
